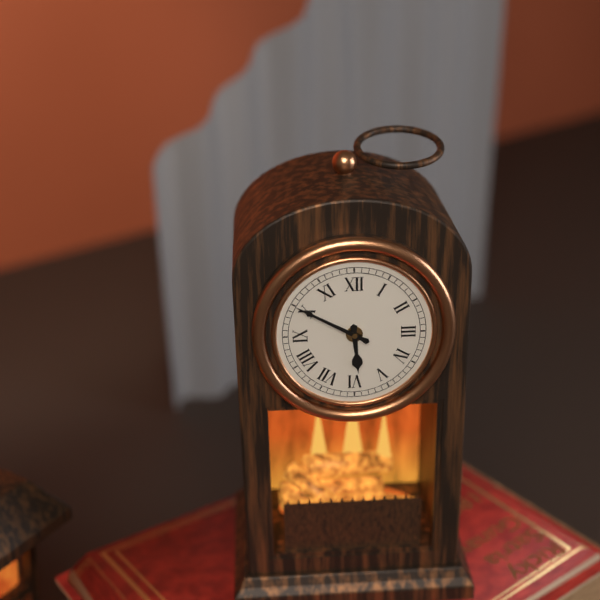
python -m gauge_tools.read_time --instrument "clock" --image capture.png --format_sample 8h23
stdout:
5h50
